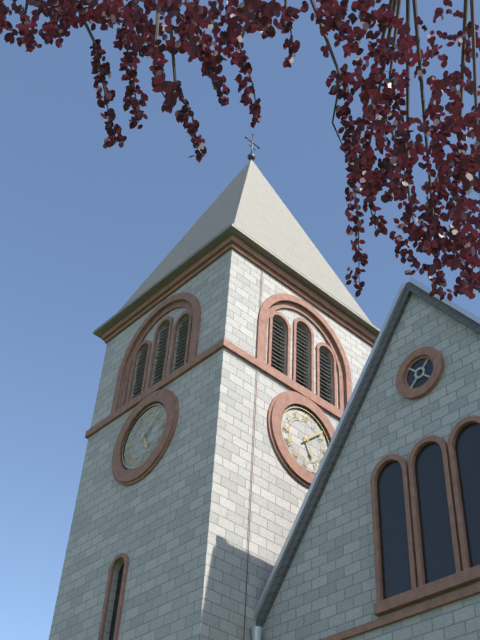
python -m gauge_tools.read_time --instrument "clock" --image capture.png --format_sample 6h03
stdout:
5h08
